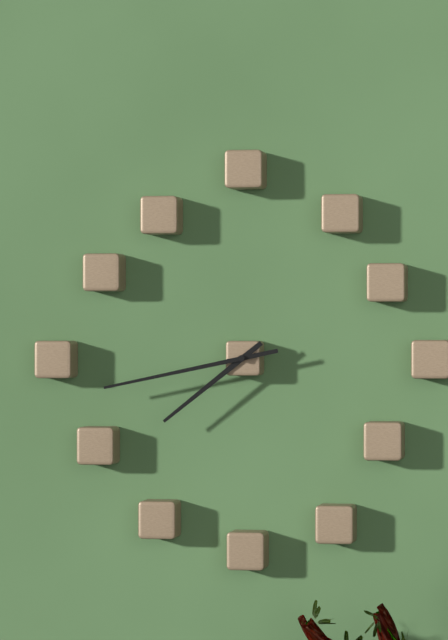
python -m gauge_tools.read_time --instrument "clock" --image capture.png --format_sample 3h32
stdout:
7h43
